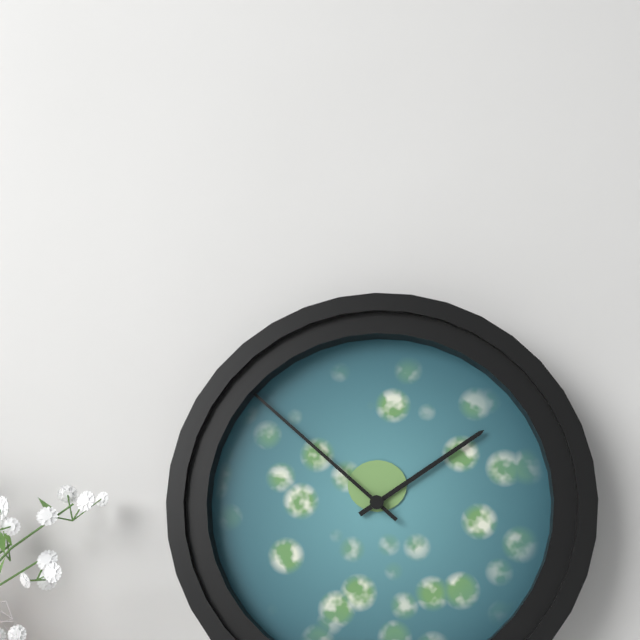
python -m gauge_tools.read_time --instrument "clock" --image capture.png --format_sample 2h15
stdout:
1h52
